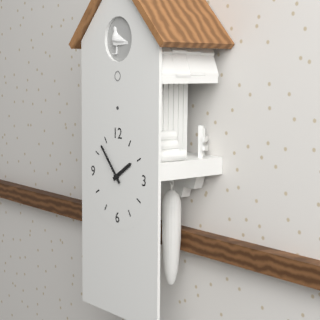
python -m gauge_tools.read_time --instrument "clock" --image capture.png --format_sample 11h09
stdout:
1h53
